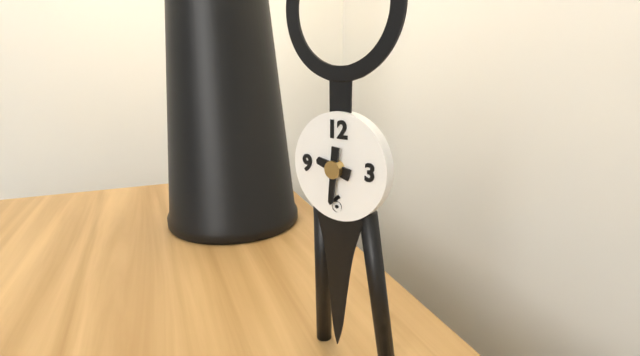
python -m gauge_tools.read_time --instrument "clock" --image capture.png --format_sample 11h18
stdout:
9h31
